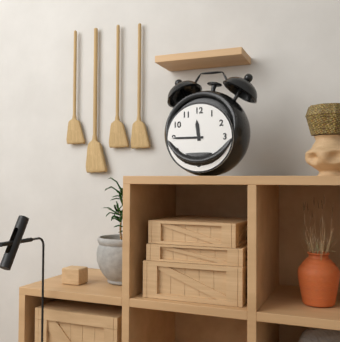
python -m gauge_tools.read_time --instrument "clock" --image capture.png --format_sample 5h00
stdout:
11h45
